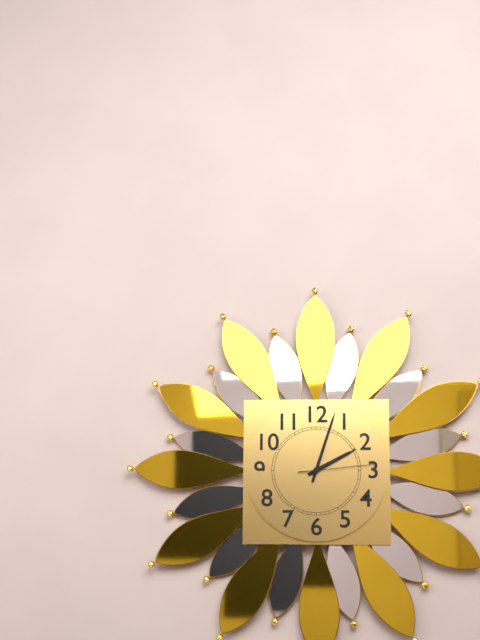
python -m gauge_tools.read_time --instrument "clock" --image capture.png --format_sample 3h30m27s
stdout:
2h03m14s
